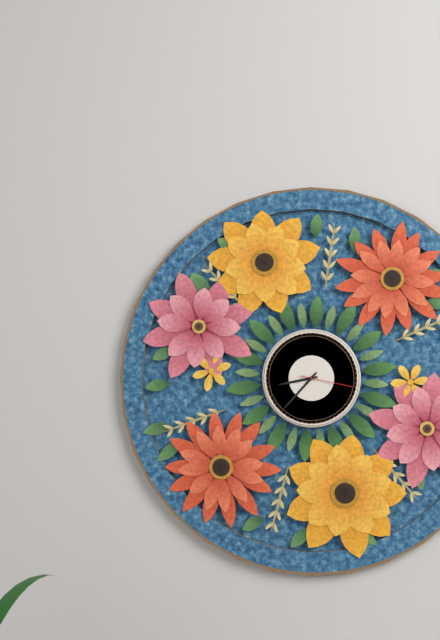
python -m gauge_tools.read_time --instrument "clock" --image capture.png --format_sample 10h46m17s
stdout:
8h37m17s
